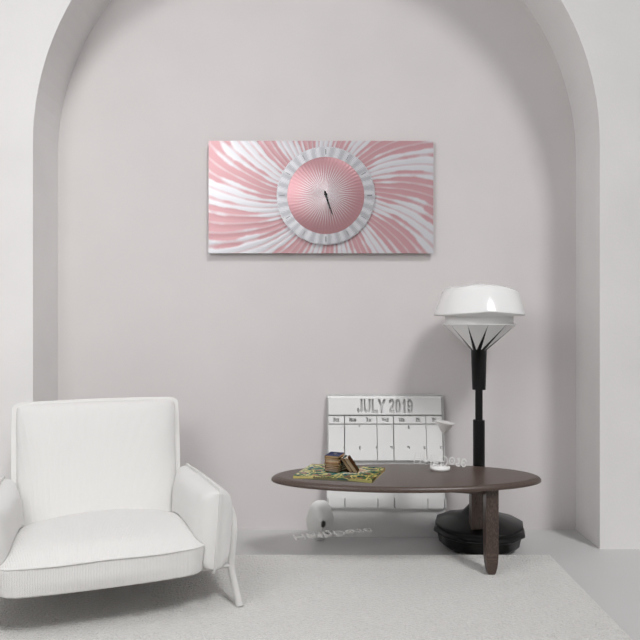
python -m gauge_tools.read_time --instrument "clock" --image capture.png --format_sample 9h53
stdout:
5h27
